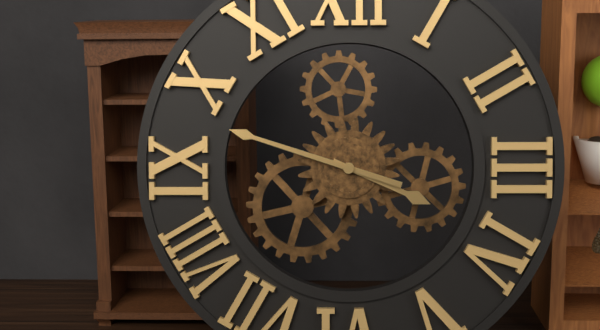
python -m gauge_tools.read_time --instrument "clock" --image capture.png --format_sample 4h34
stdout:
3h48
